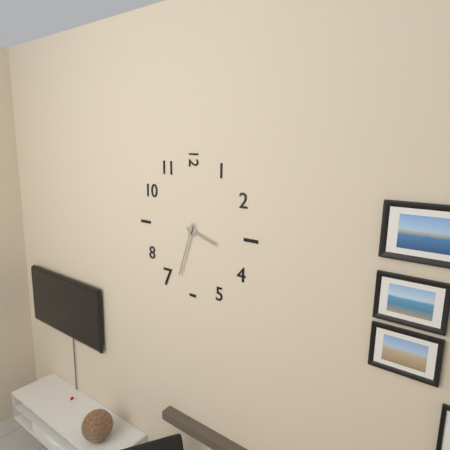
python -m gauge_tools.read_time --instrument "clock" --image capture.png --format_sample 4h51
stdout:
3h33
